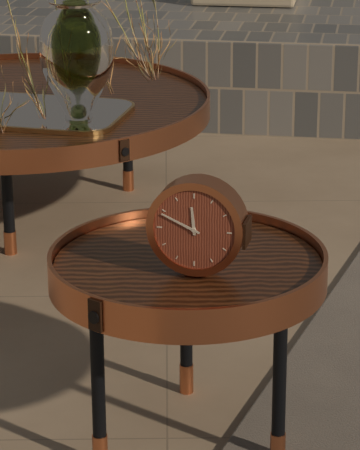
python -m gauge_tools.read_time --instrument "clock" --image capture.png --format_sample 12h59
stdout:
11h49
